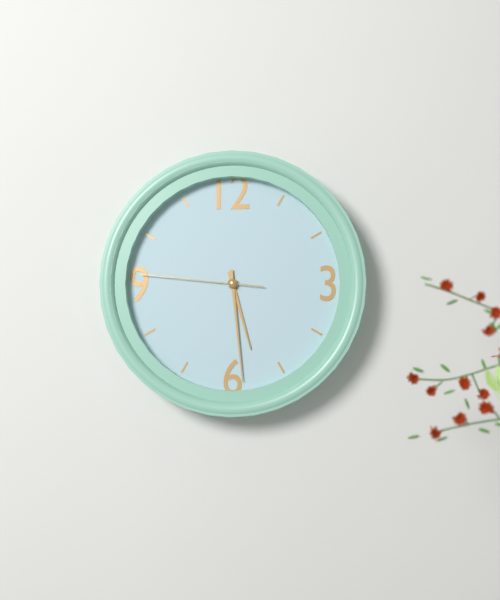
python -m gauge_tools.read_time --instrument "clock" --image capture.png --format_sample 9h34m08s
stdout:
5h29m46s
